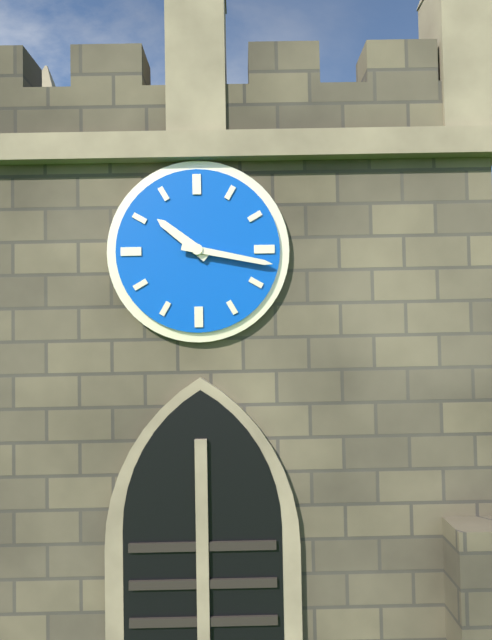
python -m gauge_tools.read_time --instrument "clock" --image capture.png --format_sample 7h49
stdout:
10h17
